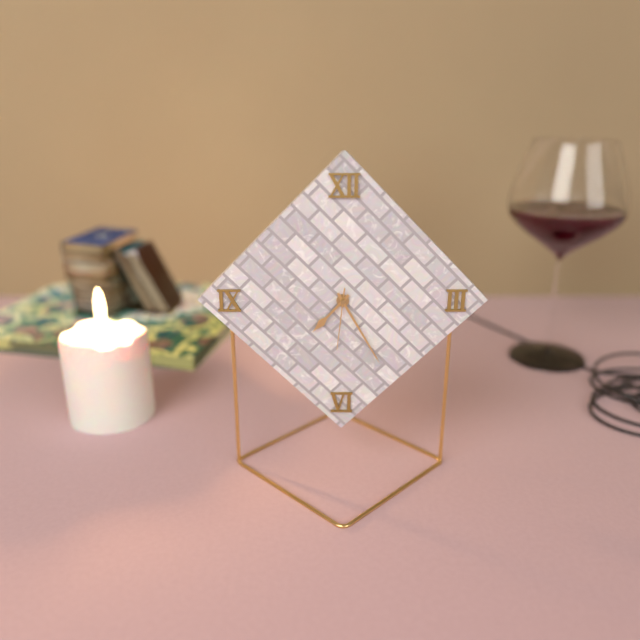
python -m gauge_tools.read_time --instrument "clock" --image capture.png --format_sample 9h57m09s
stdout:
7h25m31s
